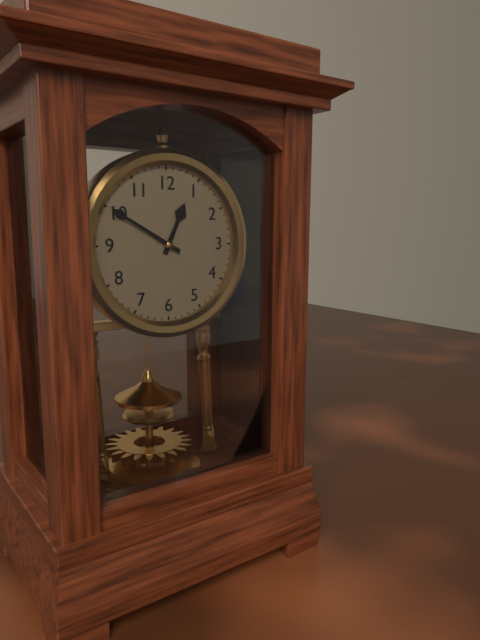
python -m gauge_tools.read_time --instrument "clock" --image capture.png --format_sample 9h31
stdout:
12h50
